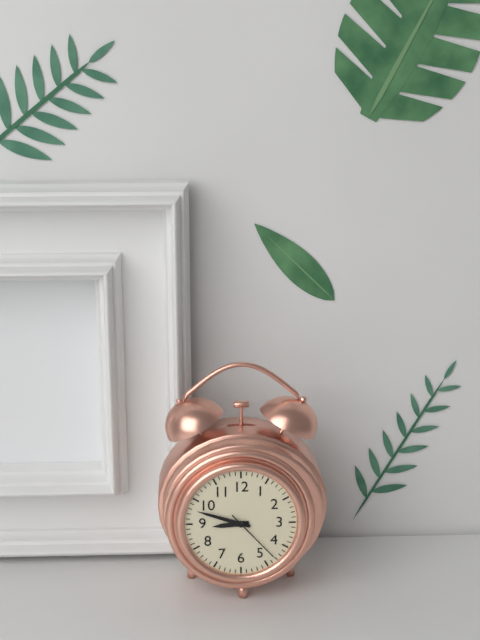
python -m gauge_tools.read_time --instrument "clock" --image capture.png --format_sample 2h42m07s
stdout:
8h48m23s
